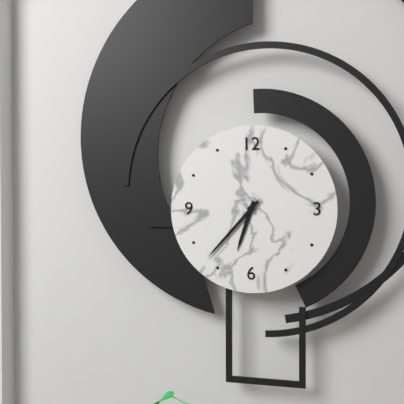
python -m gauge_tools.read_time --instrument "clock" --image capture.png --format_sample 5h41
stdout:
6h37
